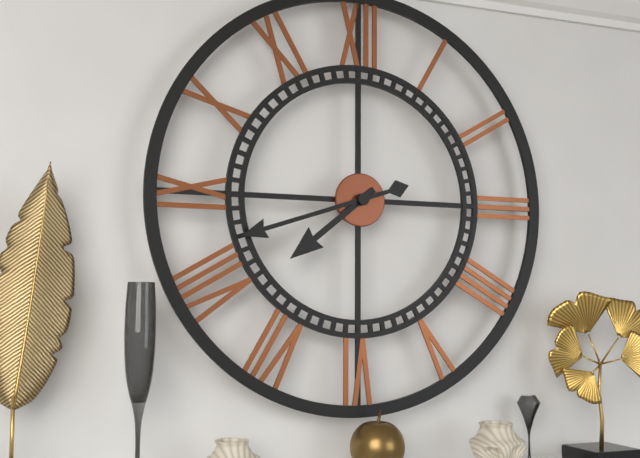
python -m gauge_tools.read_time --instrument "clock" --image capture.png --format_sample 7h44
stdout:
7h42
